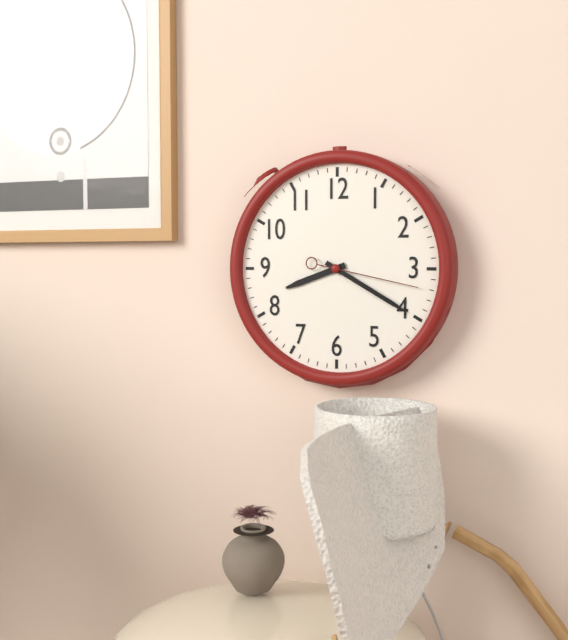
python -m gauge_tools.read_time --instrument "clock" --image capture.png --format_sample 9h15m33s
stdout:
8h20m17s
